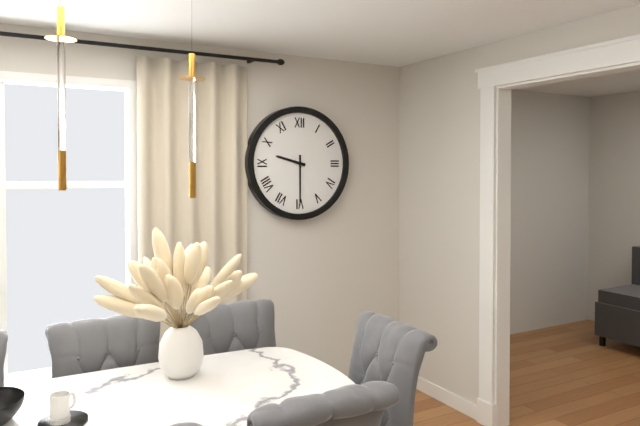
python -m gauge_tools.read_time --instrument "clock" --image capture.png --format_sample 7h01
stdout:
9h30
